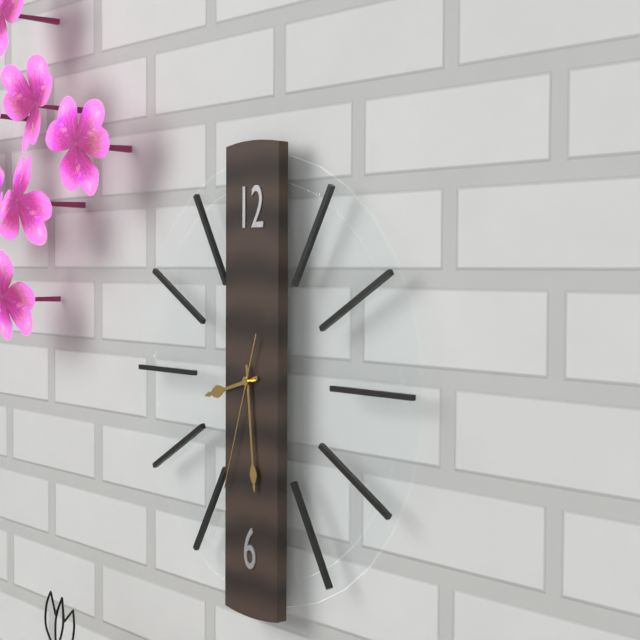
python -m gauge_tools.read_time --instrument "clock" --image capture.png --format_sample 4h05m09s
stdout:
8h29m33s
